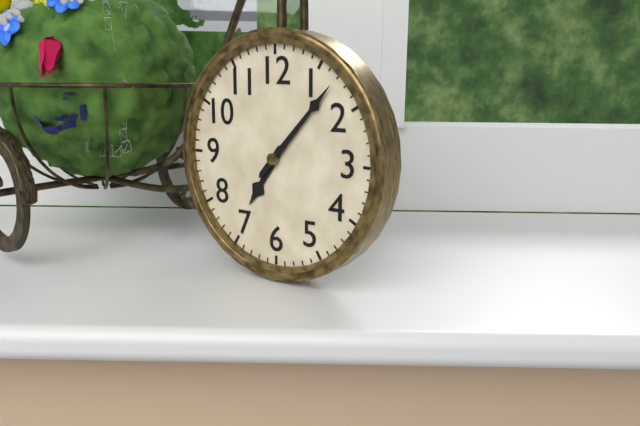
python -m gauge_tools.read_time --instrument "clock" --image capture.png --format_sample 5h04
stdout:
7h07
